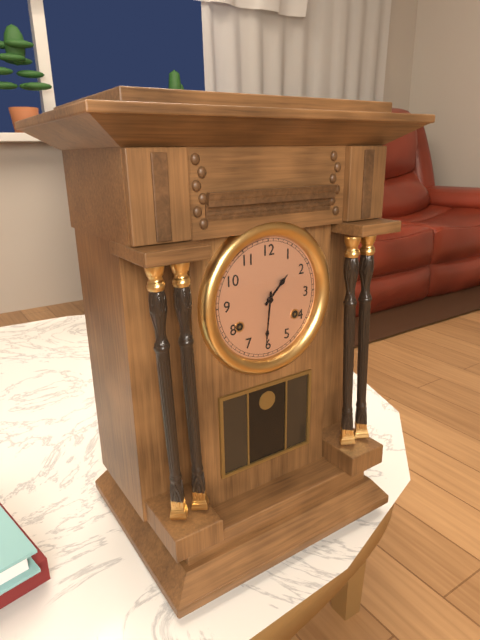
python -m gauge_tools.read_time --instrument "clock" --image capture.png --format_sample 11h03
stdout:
1h31
